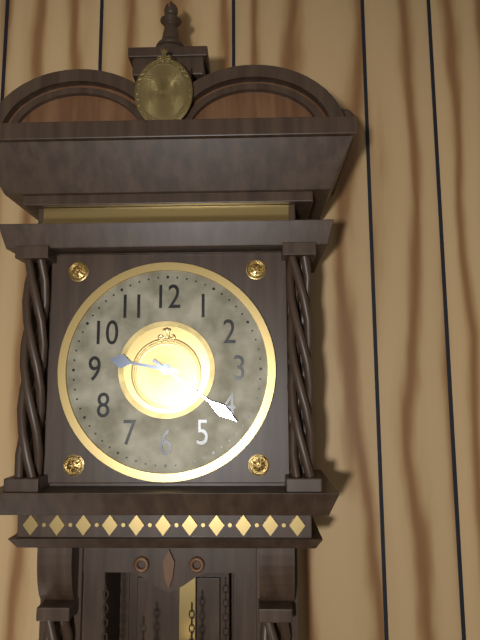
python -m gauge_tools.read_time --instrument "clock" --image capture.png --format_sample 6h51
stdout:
9h21
